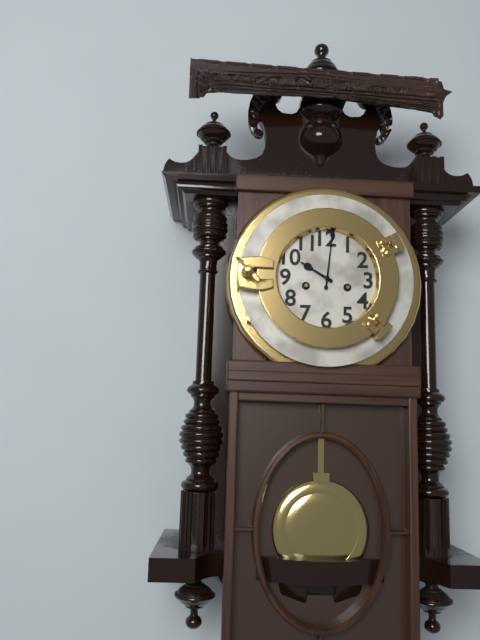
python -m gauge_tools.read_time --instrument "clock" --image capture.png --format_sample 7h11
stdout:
10h01
